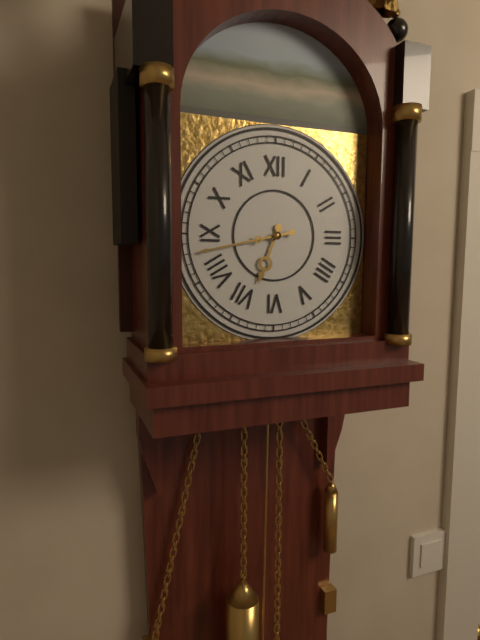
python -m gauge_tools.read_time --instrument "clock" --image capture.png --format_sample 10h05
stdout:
6h43
